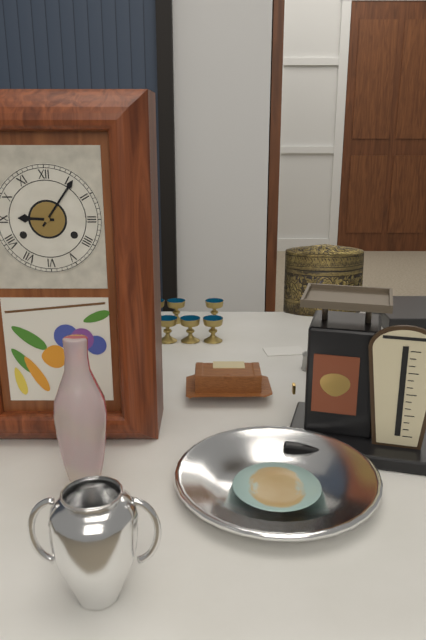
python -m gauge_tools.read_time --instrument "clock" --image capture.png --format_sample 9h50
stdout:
9h06
